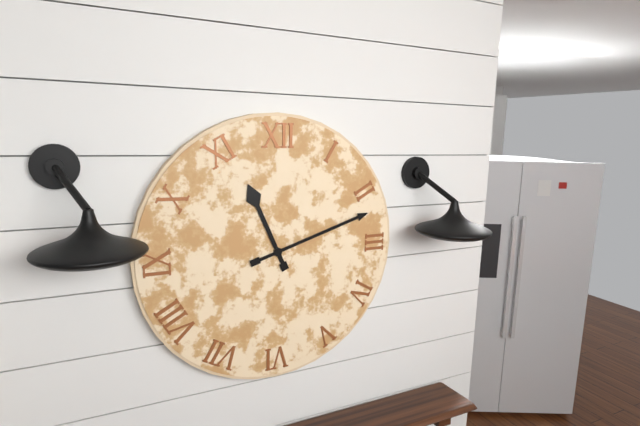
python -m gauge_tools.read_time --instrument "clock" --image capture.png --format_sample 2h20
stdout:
11h12
